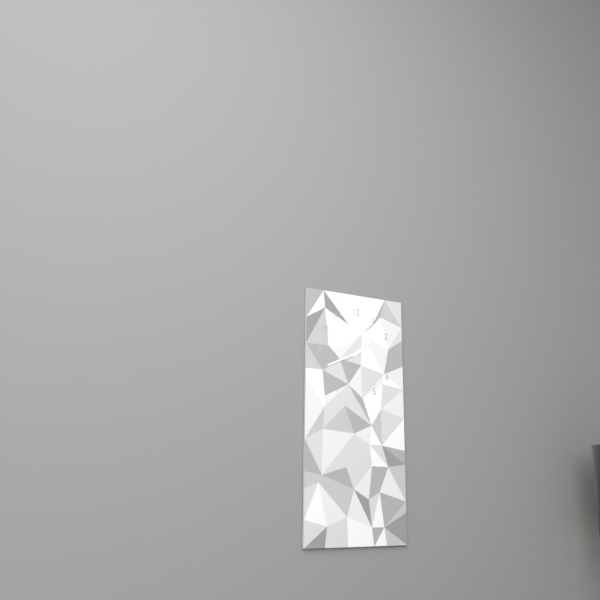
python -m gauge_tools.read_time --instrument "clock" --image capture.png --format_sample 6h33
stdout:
1h41
